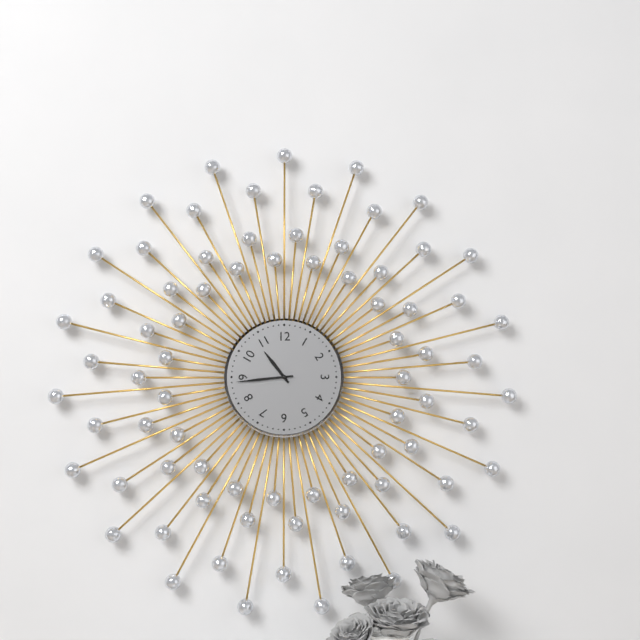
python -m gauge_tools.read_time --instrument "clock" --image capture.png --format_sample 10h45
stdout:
10h44
